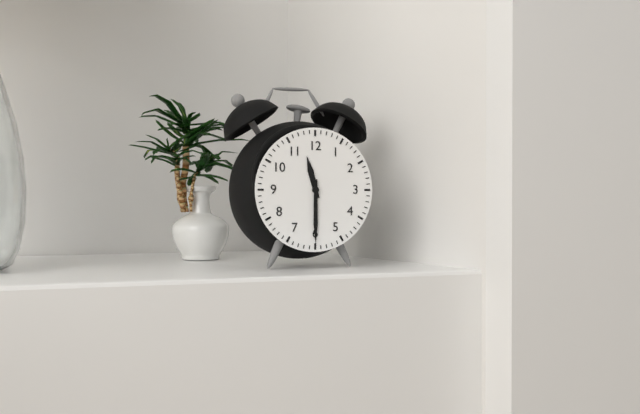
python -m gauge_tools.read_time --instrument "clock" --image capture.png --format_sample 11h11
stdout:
11h30
